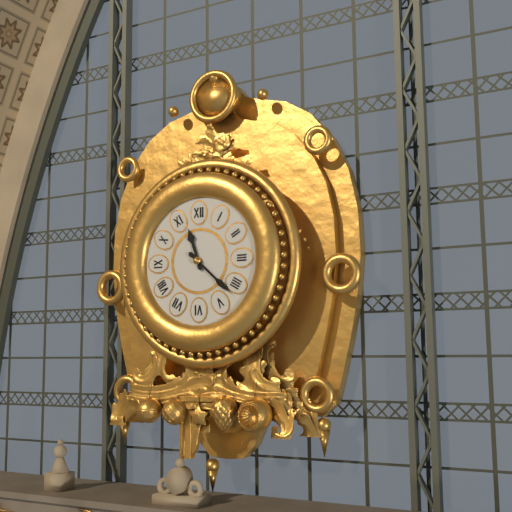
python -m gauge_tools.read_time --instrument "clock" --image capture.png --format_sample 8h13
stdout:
11h22
